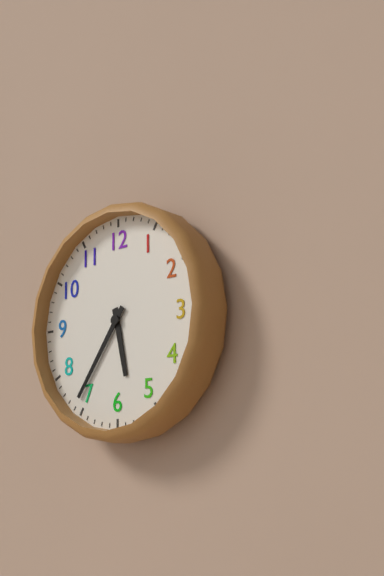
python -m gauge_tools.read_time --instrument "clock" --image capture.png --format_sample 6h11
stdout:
5h36
